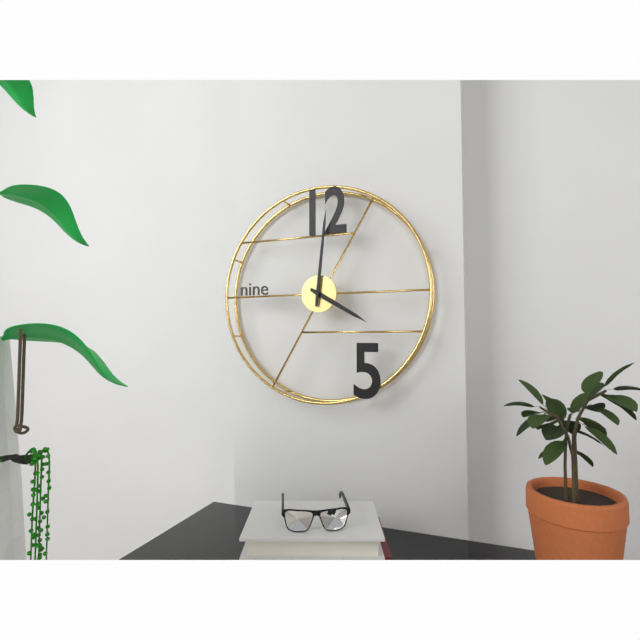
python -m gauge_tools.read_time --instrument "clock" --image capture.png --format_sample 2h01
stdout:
4h01
